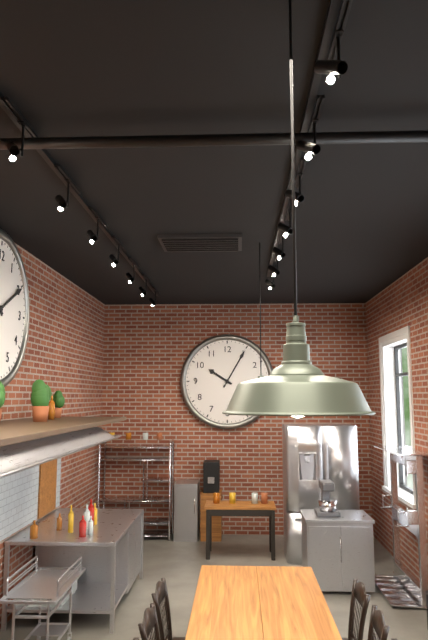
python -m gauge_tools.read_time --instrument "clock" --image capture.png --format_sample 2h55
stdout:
10h05
